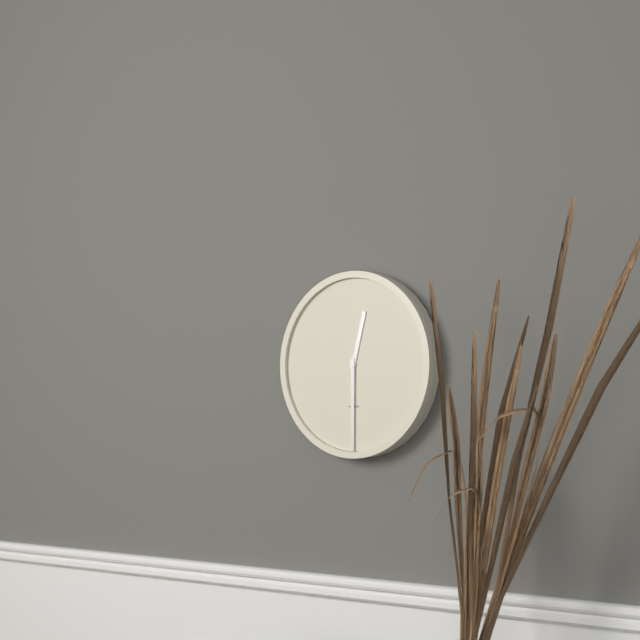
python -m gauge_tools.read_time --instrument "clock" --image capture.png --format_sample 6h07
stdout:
12h30
